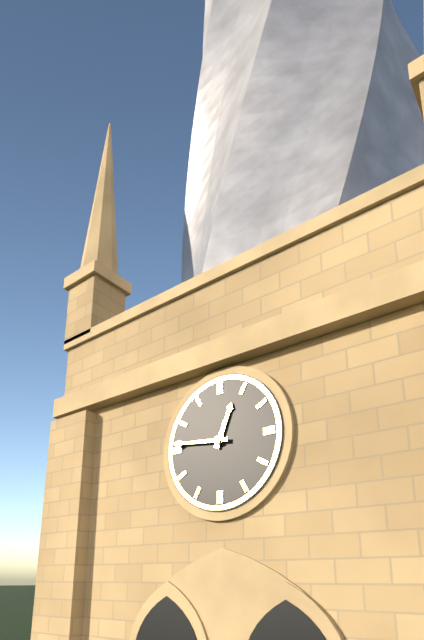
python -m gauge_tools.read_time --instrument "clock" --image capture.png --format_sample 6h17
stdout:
12h46
